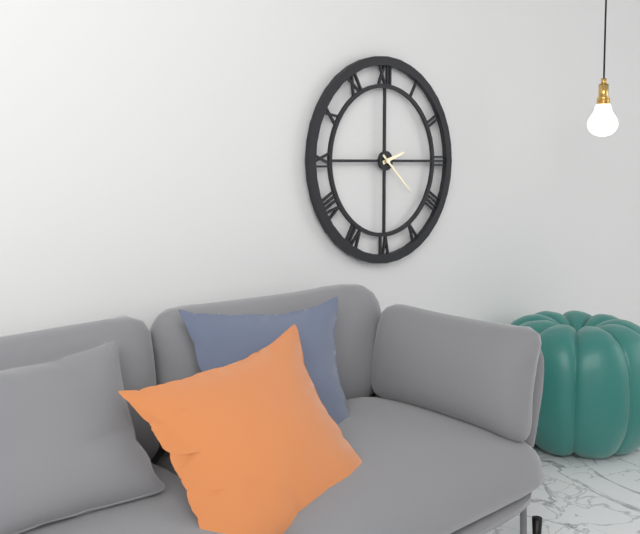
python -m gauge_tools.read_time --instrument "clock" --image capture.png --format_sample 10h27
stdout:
2h22
